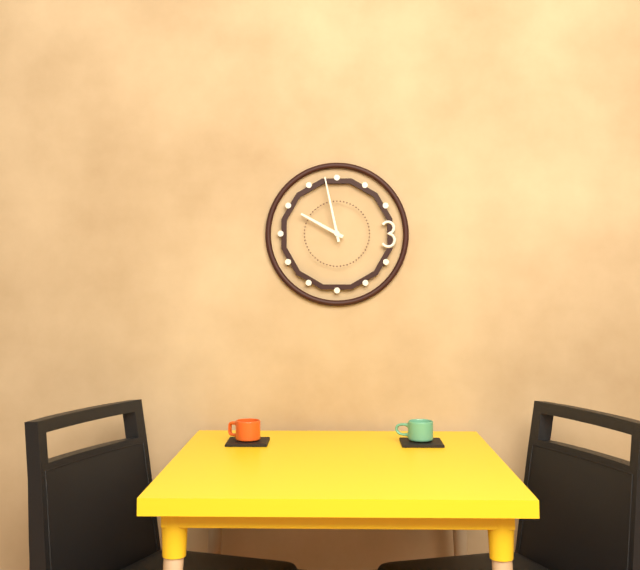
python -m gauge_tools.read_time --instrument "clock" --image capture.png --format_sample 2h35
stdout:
9h58
